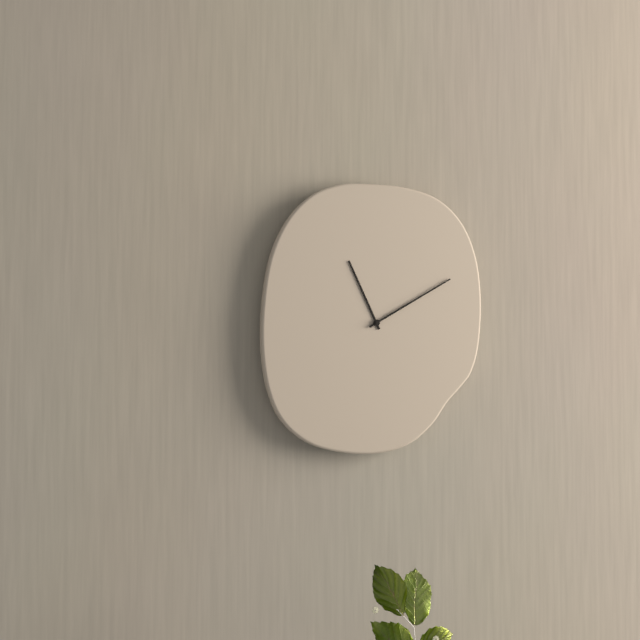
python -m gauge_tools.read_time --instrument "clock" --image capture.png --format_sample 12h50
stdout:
11h10
